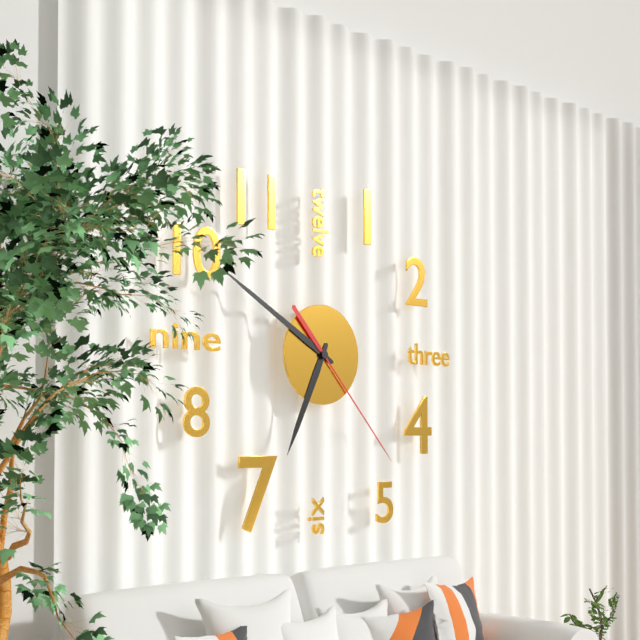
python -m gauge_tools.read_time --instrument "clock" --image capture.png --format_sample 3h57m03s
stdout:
6h50m23s
